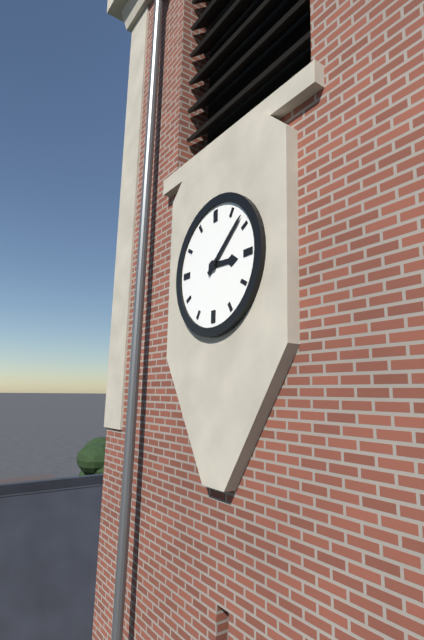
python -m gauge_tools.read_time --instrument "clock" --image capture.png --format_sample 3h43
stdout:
3h08
